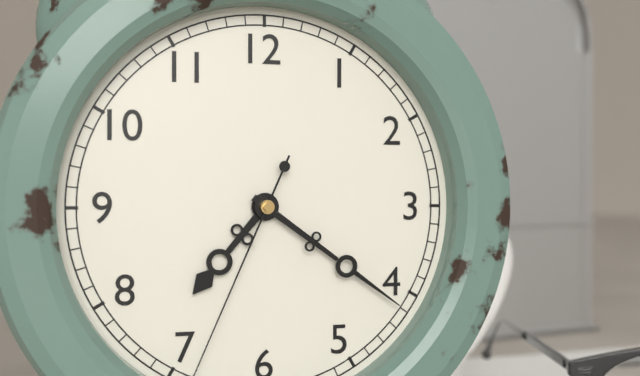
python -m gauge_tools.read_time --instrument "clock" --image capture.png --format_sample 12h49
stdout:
7h21
